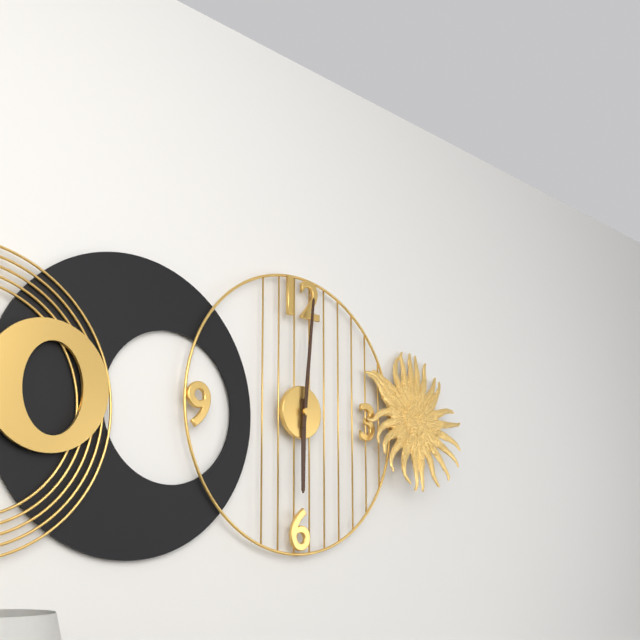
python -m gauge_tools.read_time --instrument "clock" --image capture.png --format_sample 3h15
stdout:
6h01
